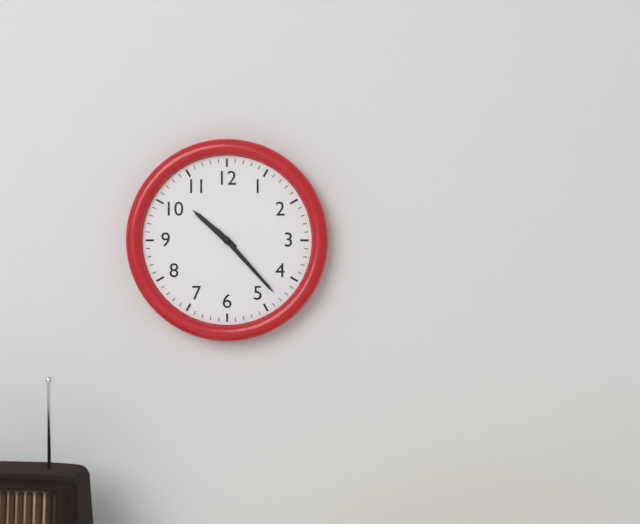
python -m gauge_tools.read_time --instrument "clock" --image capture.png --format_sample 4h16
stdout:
10h23
